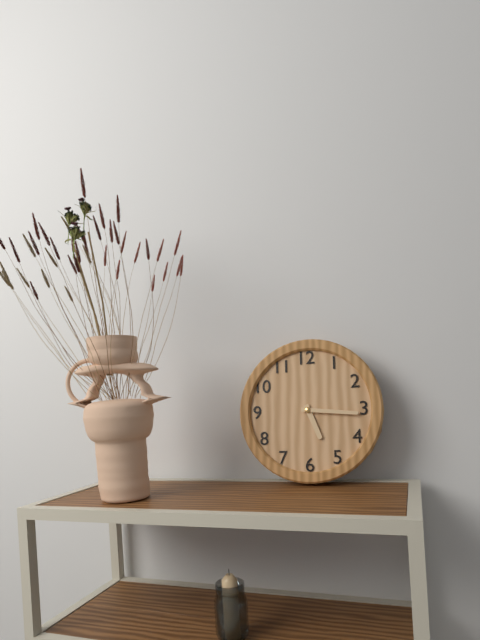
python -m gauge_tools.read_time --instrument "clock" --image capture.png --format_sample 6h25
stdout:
5h16
